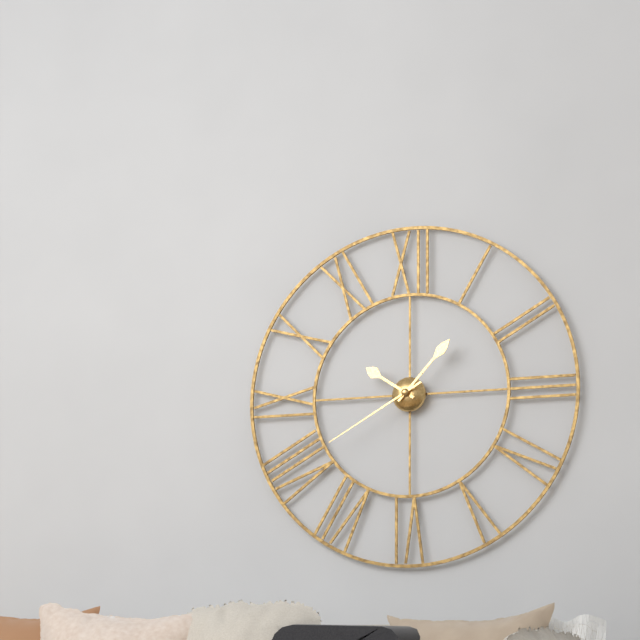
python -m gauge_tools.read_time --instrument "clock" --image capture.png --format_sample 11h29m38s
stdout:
10h07m40s
